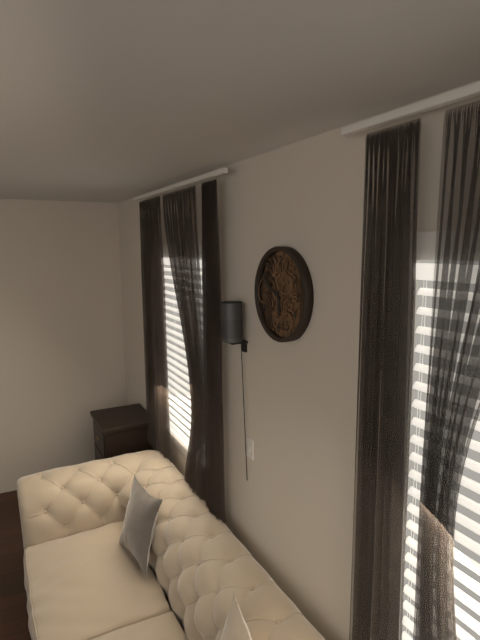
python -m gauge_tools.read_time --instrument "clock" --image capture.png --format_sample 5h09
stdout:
5h49
